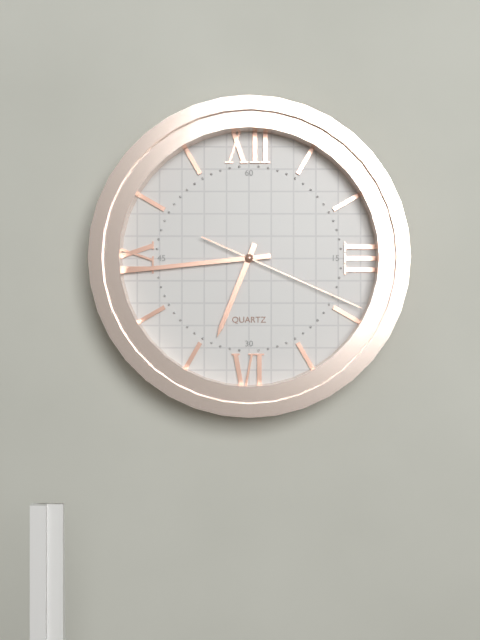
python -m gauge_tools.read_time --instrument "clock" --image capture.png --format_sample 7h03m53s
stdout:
6h44m19s
